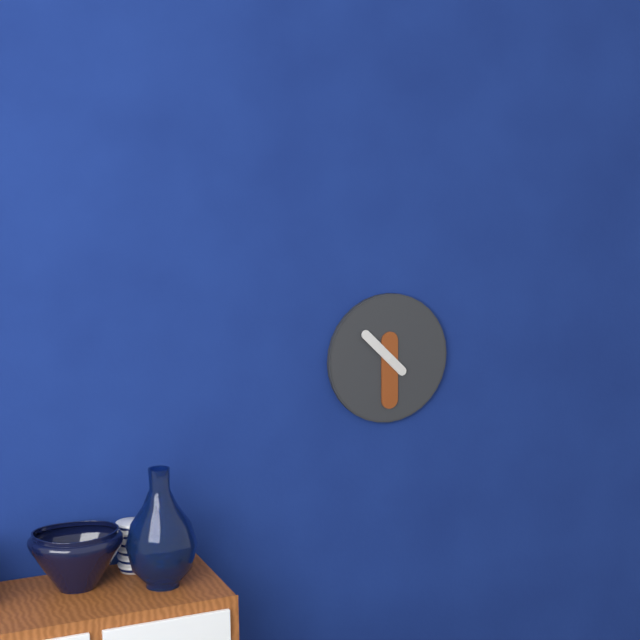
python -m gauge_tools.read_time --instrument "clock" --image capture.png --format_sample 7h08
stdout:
10h30
